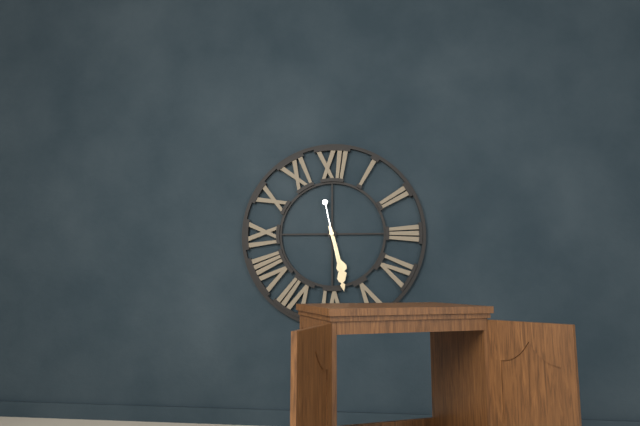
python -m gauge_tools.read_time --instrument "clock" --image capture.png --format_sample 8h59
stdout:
5h28
